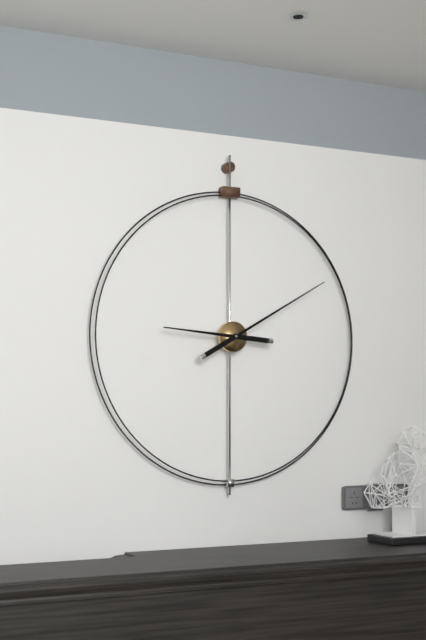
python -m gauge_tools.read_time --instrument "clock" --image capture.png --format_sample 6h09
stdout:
9h10
